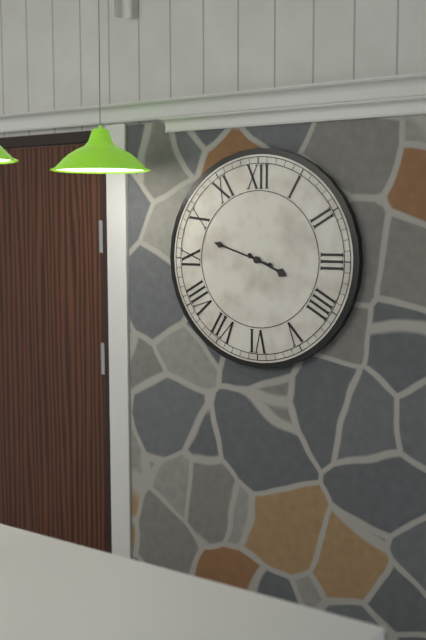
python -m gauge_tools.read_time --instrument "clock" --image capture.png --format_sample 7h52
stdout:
3h48
